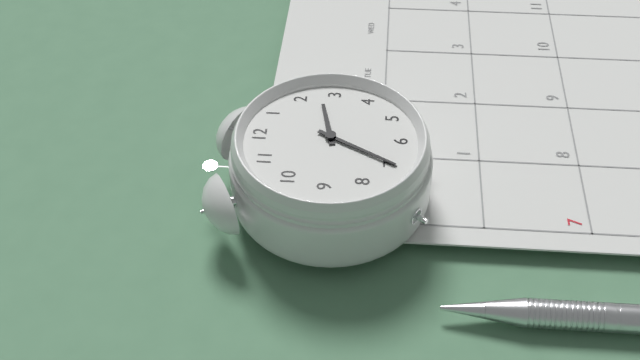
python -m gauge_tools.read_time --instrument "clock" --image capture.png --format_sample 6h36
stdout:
2h35
